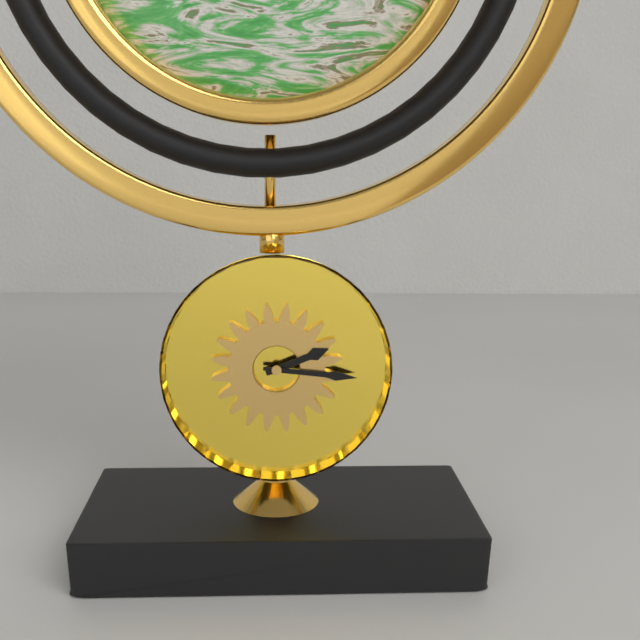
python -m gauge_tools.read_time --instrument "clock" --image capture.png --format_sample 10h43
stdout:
2h16
